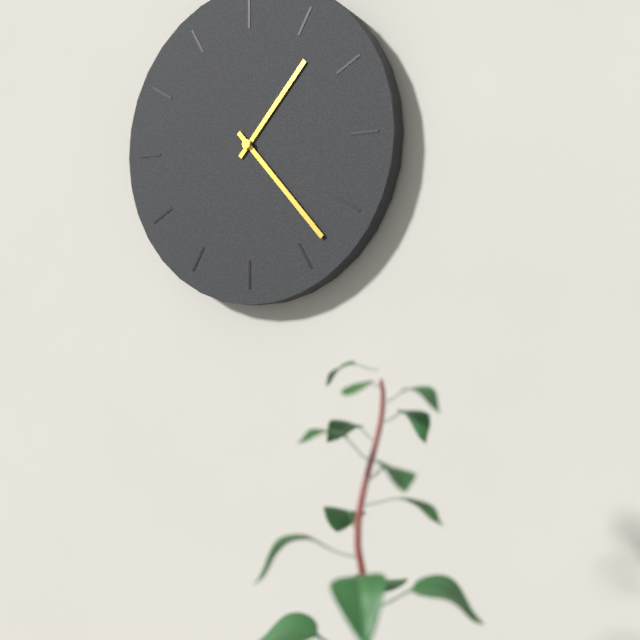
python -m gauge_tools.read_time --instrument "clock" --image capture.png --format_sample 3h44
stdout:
1h23
